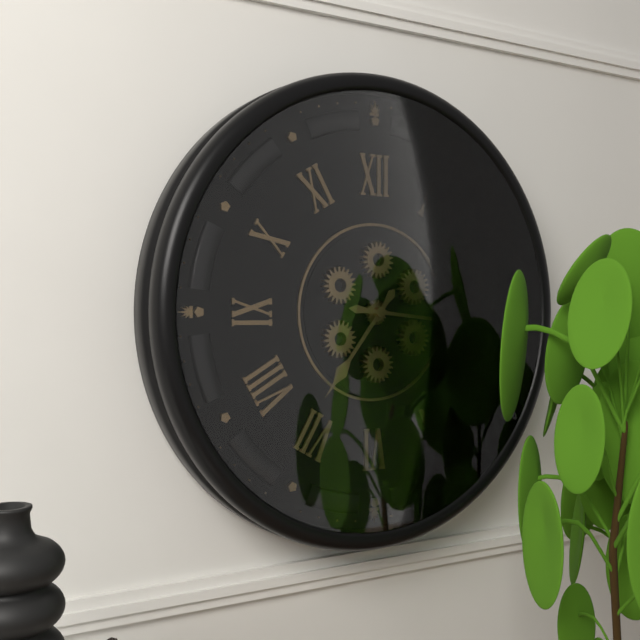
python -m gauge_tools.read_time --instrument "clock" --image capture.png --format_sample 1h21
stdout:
7h16
